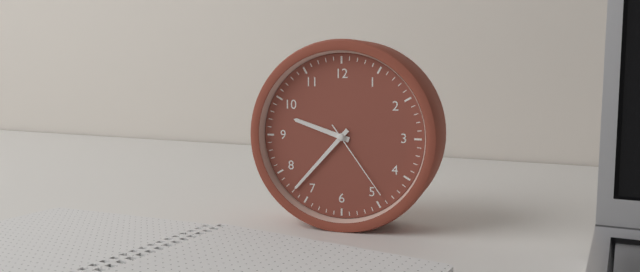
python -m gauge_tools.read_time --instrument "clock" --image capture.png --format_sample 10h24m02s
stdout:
9h37m24s
